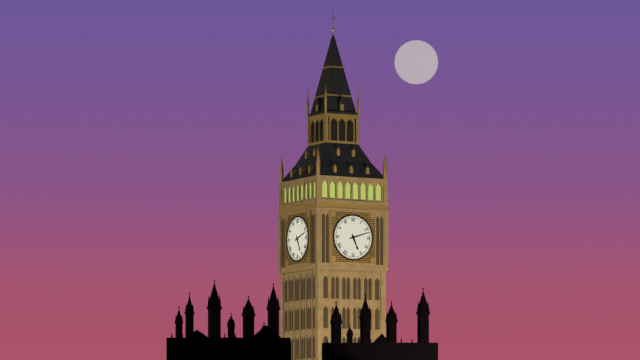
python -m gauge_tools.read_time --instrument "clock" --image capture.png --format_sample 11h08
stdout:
5h12
